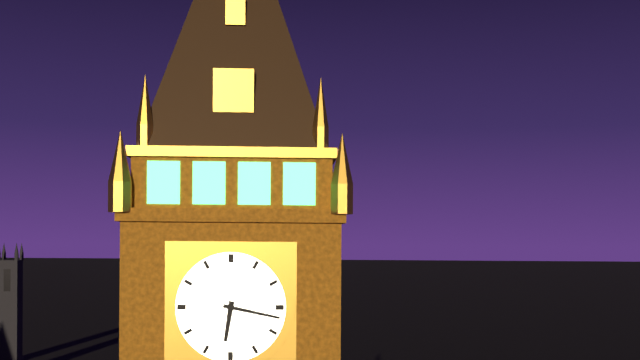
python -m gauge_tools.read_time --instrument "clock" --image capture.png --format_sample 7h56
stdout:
6h17
